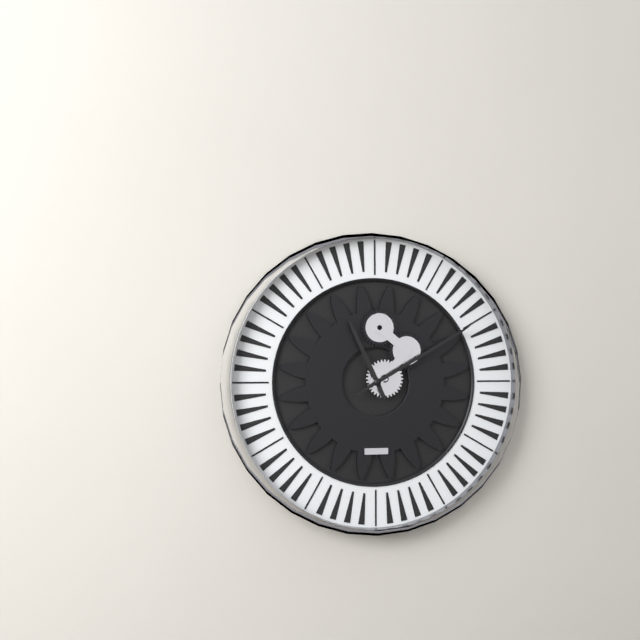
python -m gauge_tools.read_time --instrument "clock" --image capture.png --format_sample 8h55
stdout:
11h10
